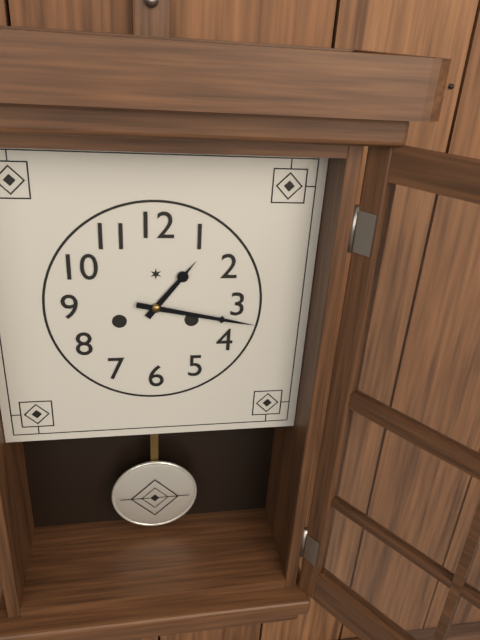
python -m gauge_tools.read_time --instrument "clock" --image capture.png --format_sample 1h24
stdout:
1h17
